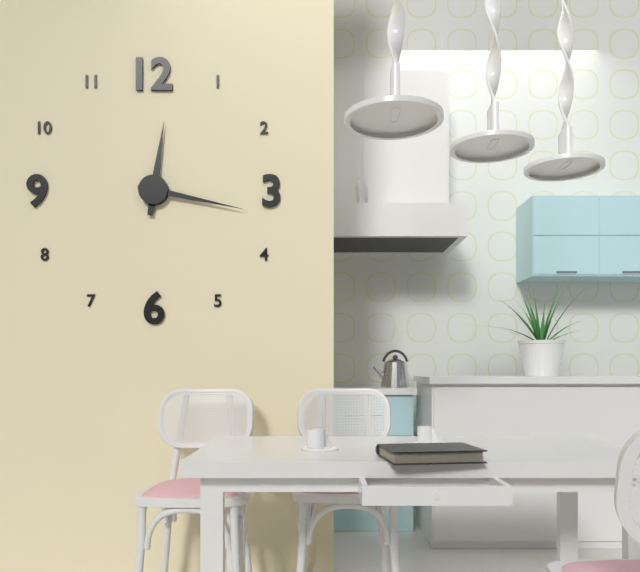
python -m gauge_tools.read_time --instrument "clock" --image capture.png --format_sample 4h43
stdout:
12h17
